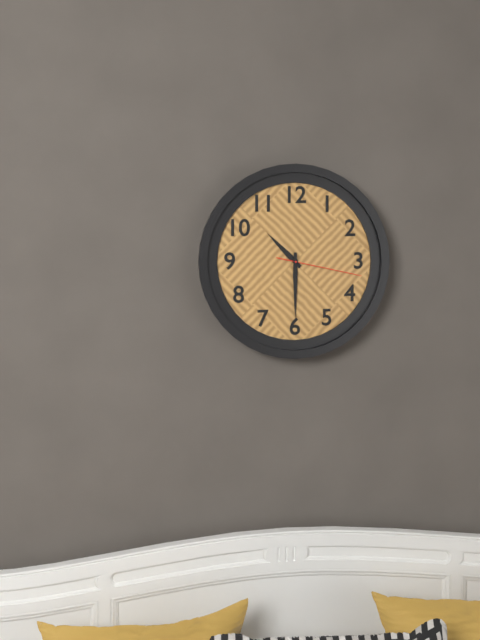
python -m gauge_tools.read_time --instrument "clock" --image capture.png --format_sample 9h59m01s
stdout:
10h30m17s
